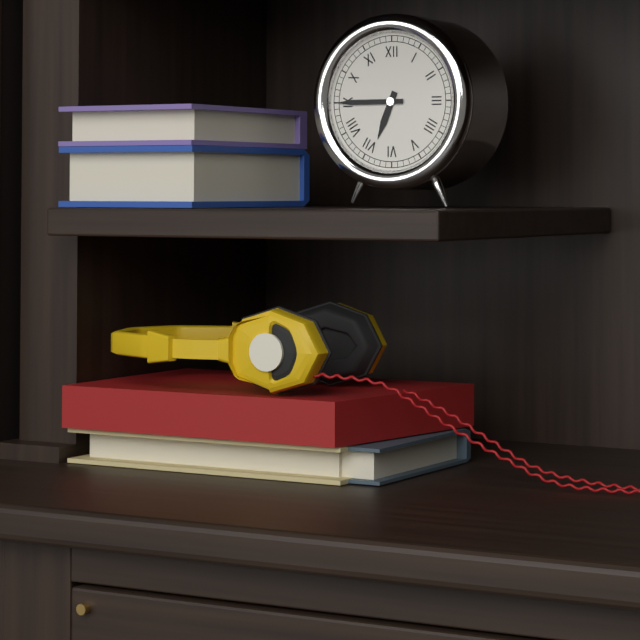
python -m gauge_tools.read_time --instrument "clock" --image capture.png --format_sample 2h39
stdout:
6h45
